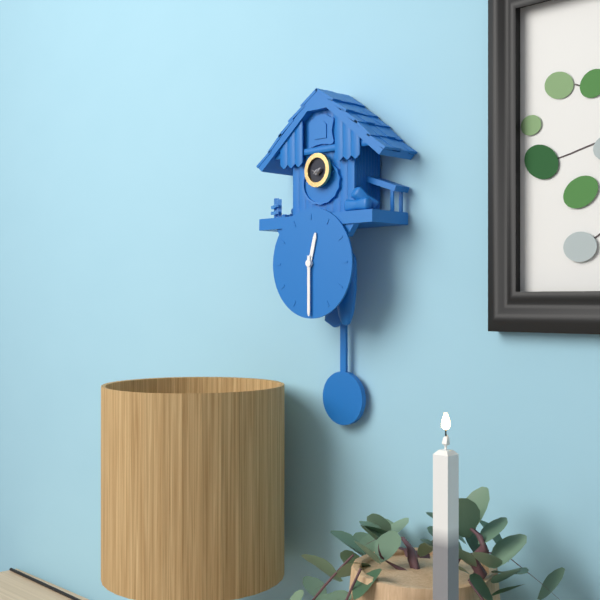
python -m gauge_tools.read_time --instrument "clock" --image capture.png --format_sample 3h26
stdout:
12h30
